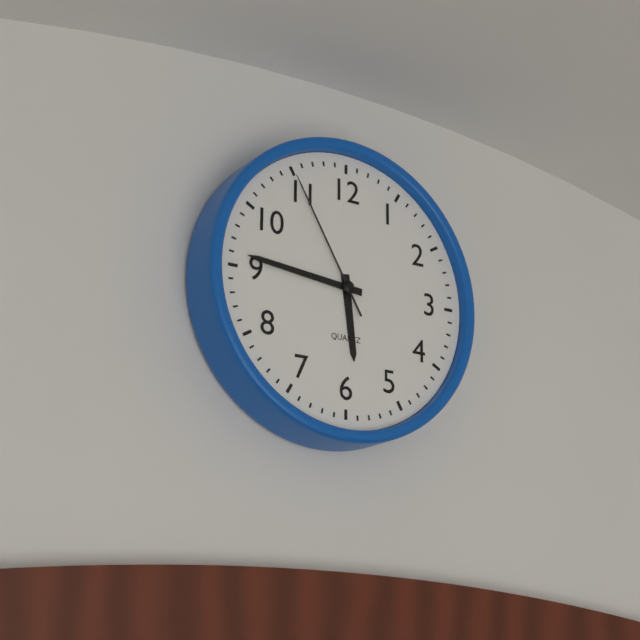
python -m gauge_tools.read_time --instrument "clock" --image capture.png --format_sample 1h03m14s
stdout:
5h46m55s
